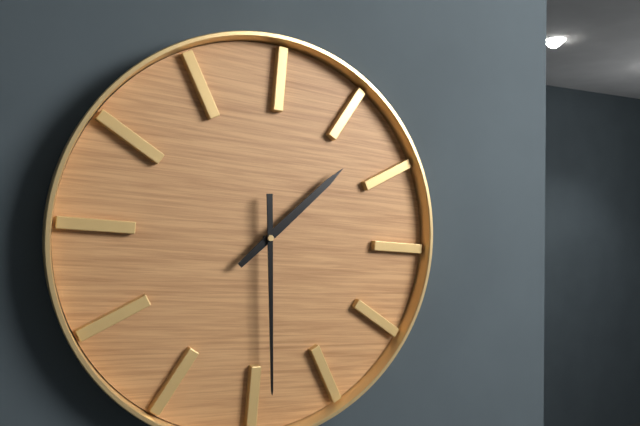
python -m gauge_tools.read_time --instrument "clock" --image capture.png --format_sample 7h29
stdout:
1h29
